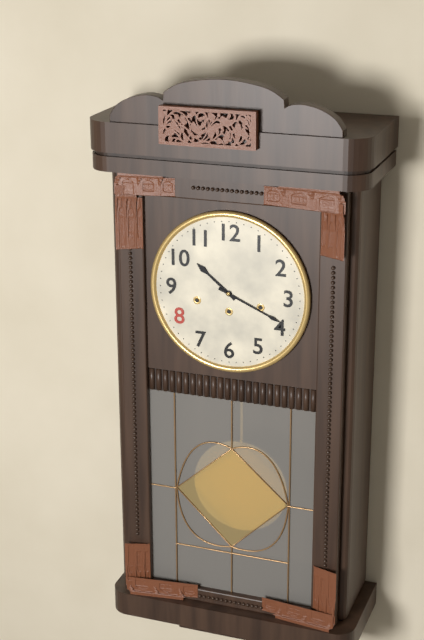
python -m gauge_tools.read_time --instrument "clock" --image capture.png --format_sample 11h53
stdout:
10h19
